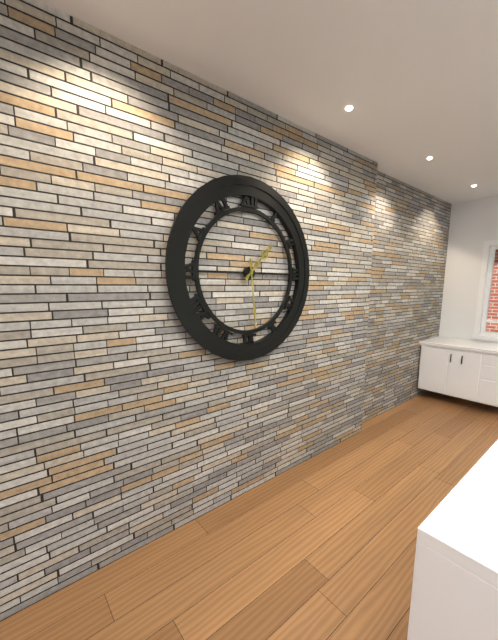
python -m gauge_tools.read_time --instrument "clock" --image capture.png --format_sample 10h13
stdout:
1h29
